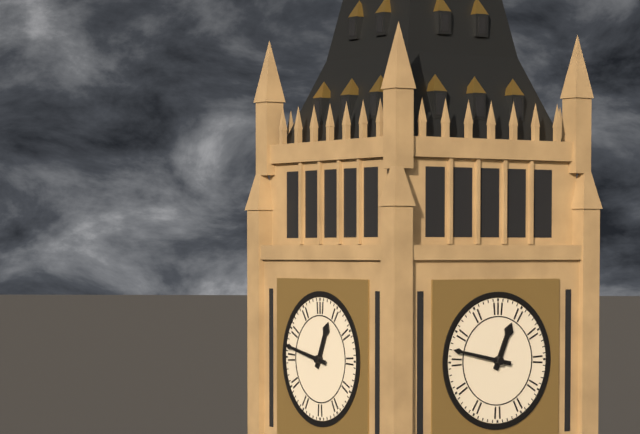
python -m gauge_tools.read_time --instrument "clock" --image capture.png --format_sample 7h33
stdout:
12h47
